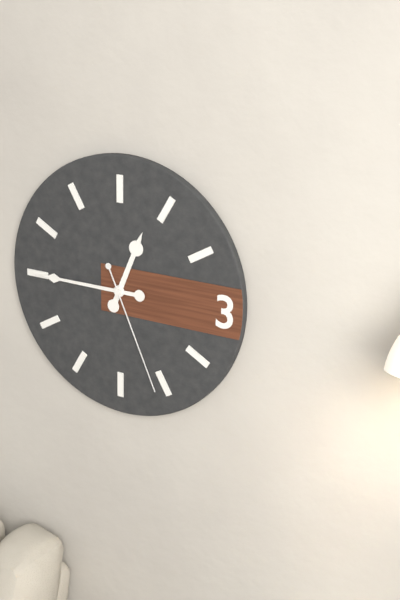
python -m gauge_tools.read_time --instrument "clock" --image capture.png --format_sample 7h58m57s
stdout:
12h45m26s
